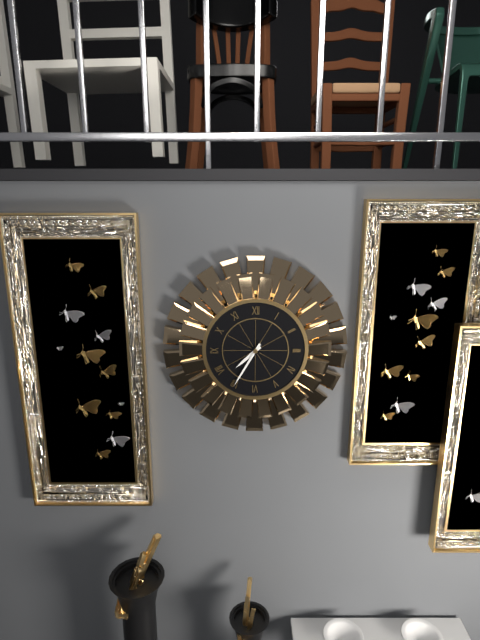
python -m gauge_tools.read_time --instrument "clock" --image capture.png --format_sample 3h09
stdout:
7h35
